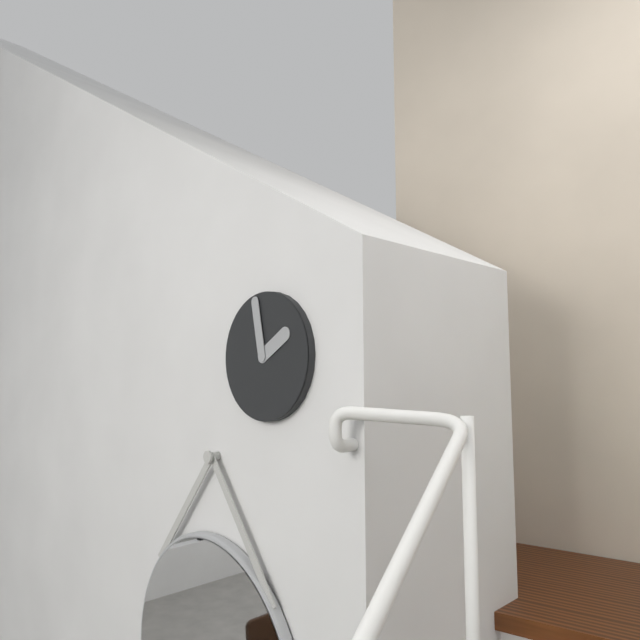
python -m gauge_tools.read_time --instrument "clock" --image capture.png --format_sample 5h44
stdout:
1h58
